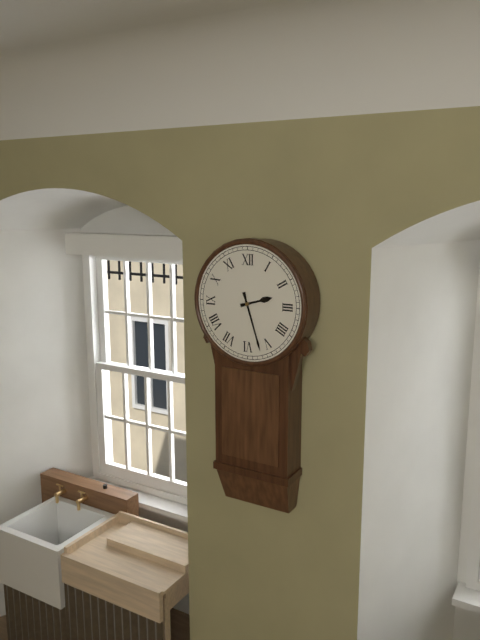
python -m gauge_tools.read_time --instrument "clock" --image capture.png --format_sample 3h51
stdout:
2h27
